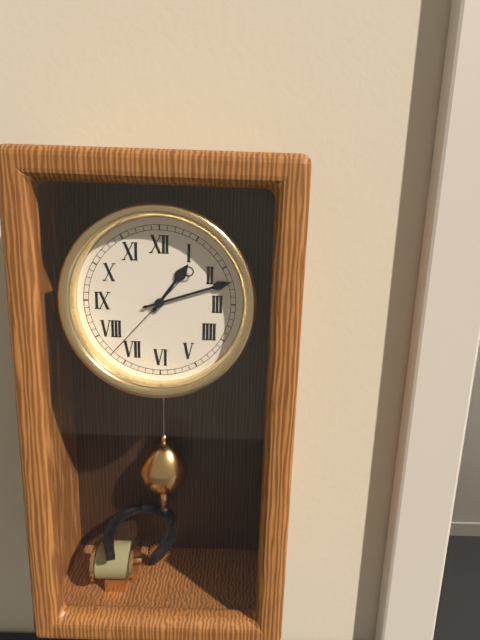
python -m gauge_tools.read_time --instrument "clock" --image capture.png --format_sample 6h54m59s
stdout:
1h12m37s
